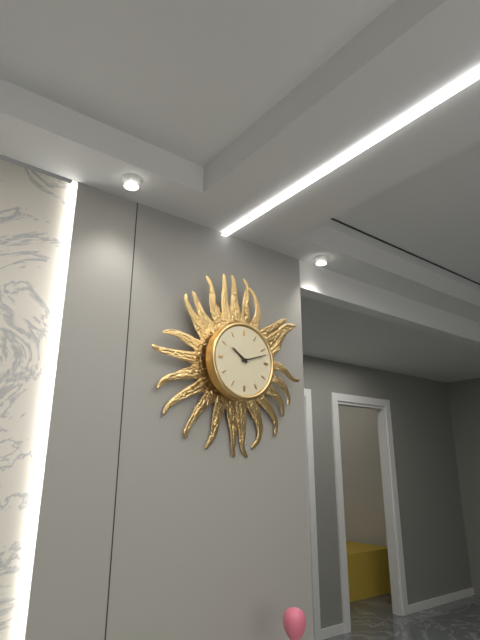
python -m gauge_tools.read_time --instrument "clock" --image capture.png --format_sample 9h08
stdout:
10h12
